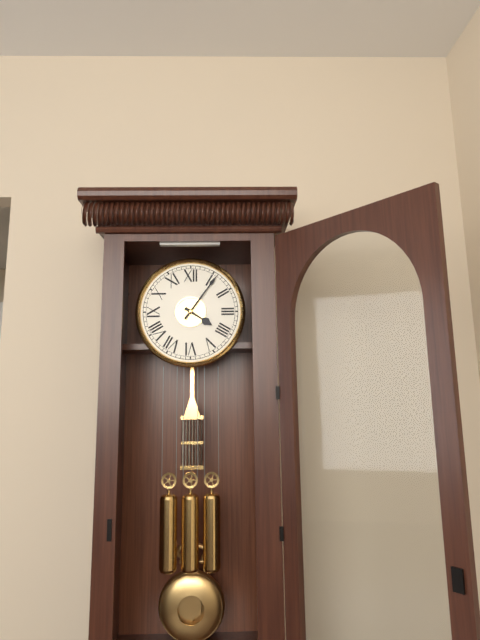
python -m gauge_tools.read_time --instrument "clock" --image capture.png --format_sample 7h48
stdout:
4h06
